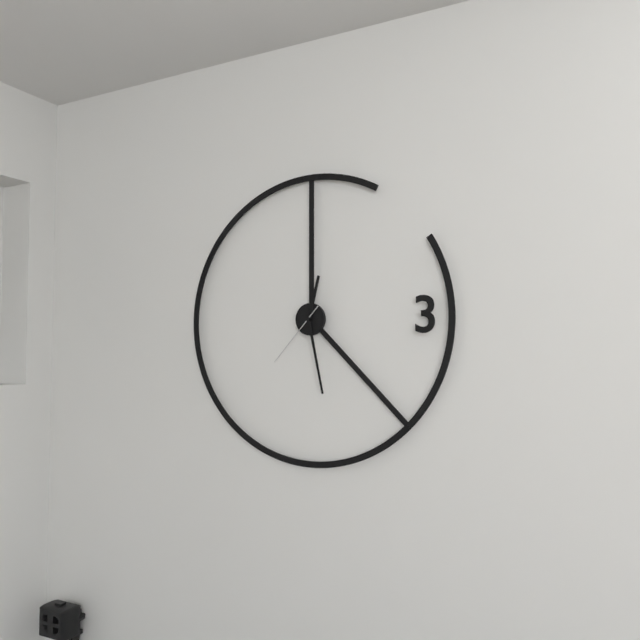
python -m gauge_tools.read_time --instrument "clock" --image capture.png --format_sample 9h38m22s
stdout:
12h28m37s
